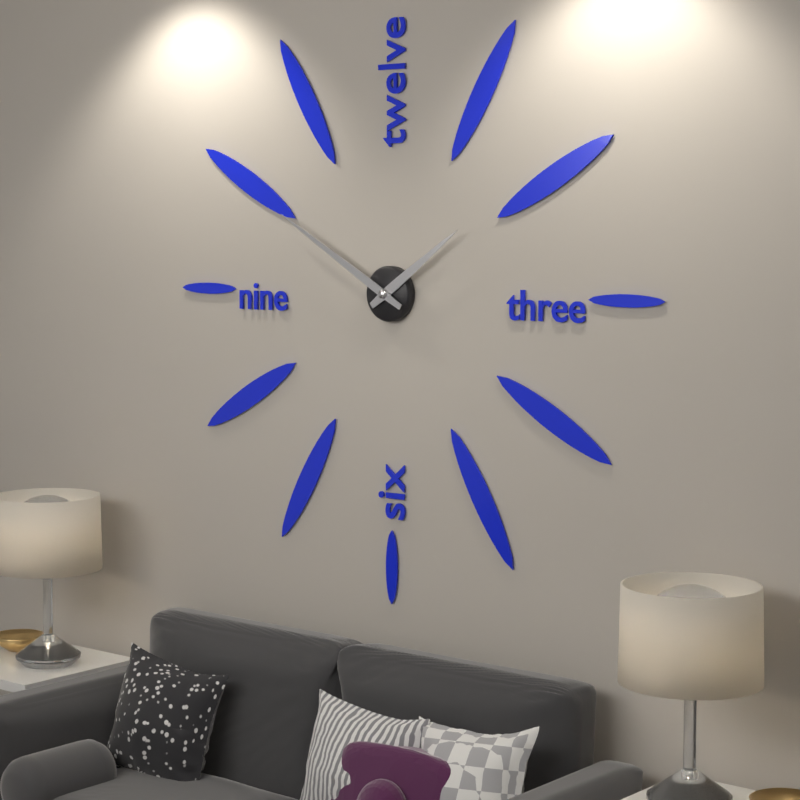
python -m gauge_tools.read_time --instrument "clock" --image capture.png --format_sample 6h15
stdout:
1h50
